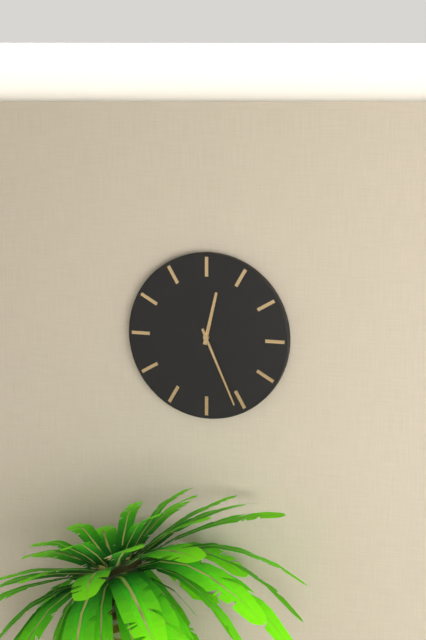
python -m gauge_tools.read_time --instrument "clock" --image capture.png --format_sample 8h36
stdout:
12h26
